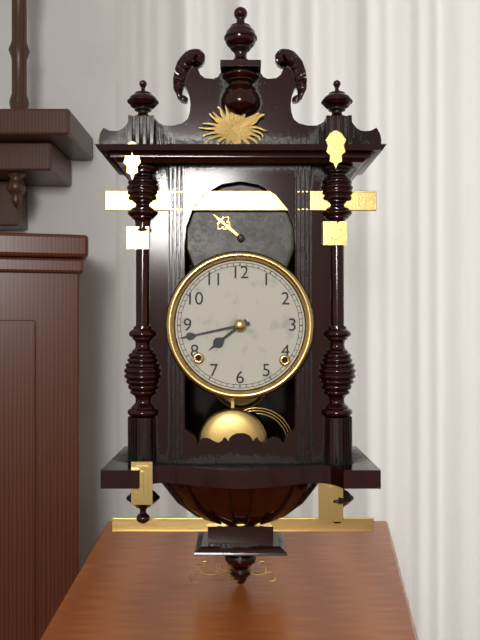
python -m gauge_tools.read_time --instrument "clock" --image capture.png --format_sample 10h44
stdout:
7h43
